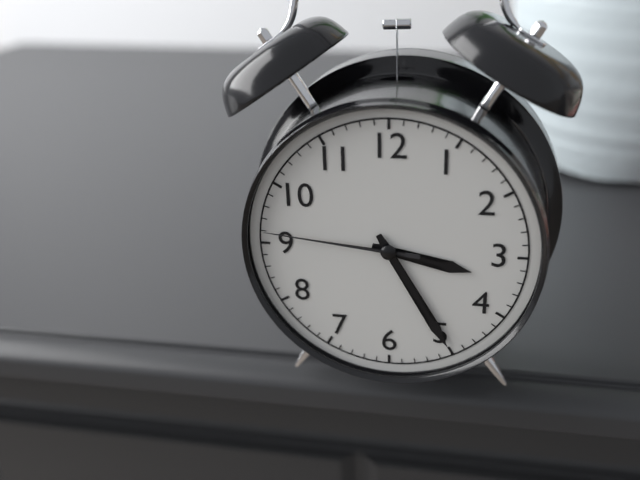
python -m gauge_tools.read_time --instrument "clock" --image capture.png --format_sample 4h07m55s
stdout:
3h25m46s
